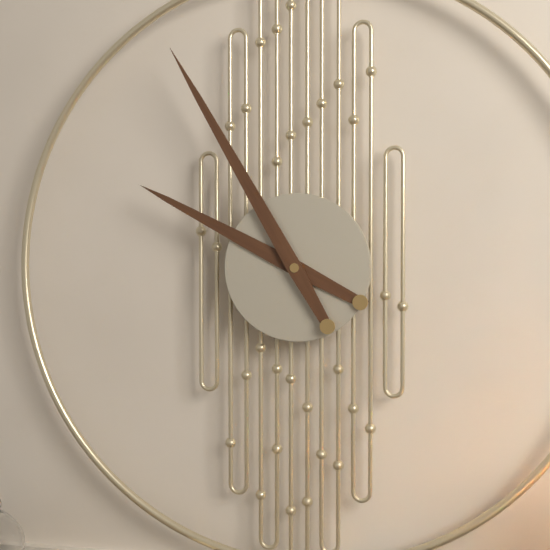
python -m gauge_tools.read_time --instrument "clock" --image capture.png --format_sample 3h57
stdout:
9h55
